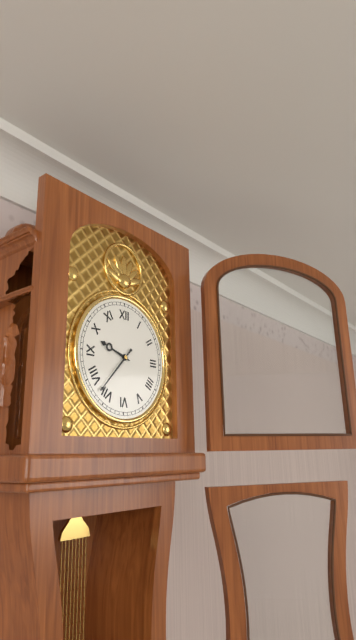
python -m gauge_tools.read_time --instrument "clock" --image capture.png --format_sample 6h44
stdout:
9h37
